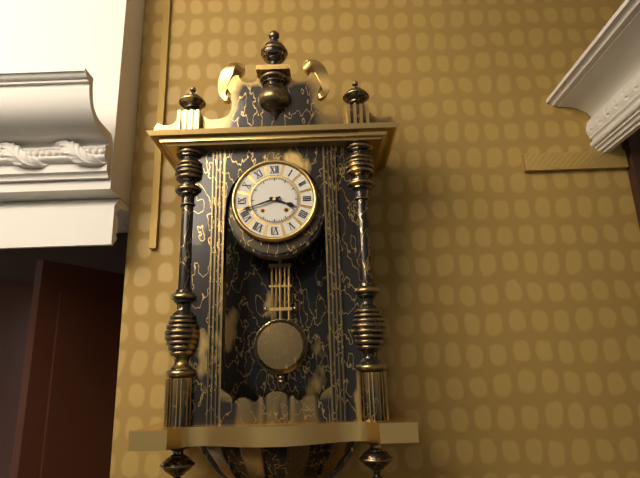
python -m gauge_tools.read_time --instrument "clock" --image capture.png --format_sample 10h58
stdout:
3h42
